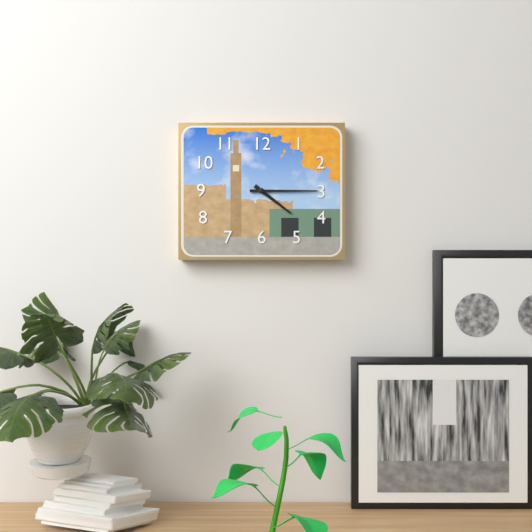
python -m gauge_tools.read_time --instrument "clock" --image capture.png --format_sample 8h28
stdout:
4h15
